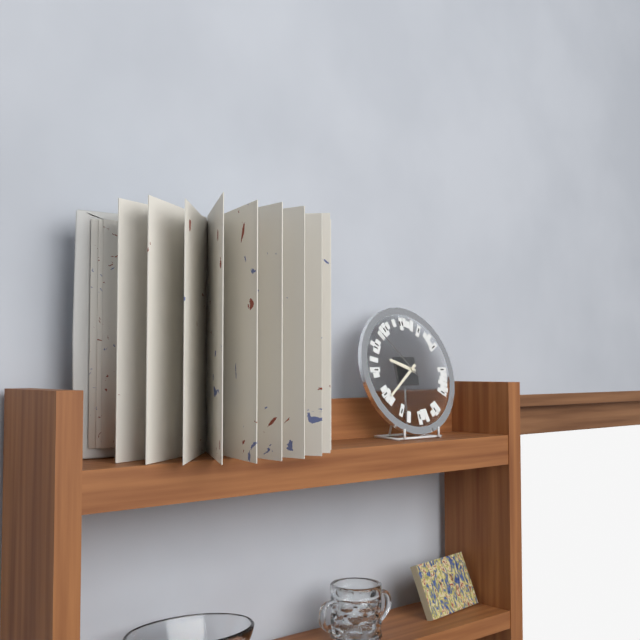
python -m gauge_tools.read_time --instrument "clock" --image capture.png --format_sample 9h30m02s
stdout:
9h39m53s
